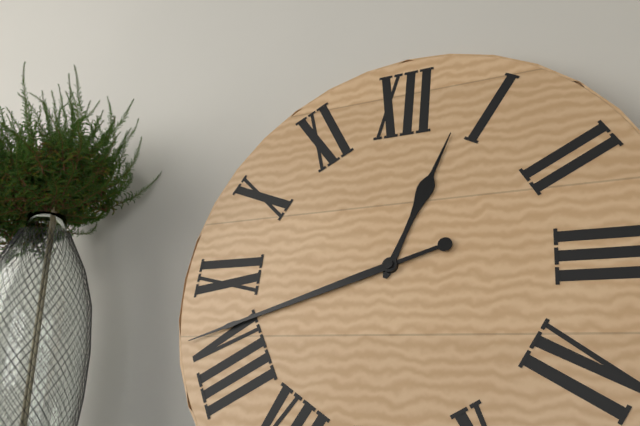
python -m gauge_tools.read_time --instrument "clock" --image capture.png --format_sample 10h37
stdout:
12h42
